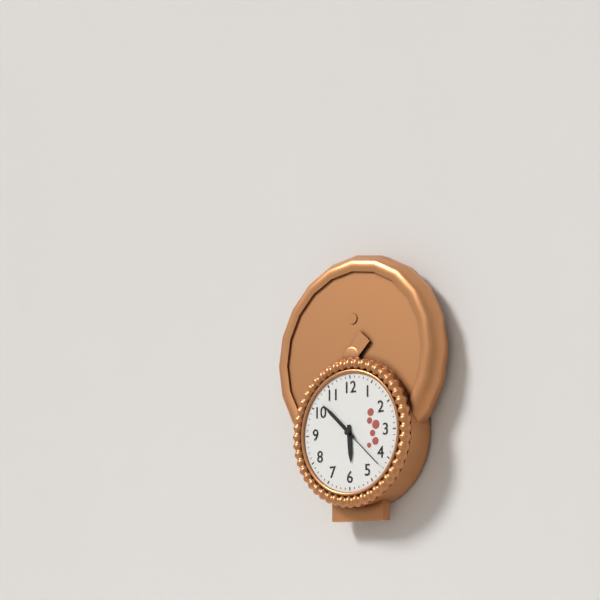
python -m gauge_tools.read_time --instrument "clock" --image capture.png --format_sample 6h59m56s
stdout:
5h52m22s
